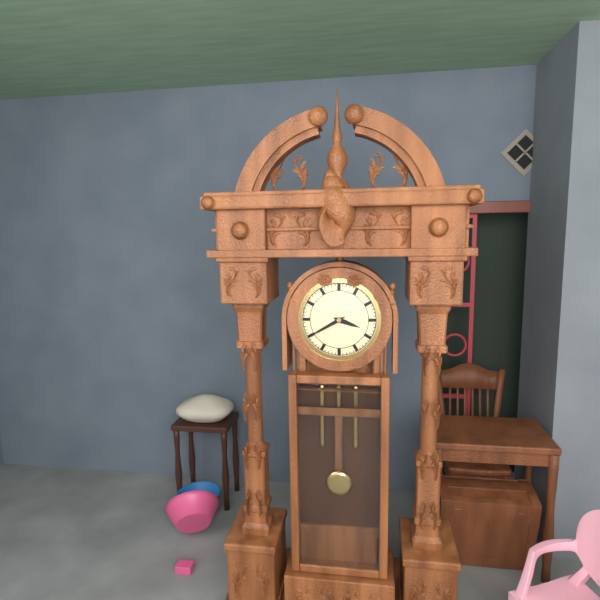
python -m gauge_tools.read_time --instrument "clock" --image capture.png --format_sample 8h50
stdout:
3h40
